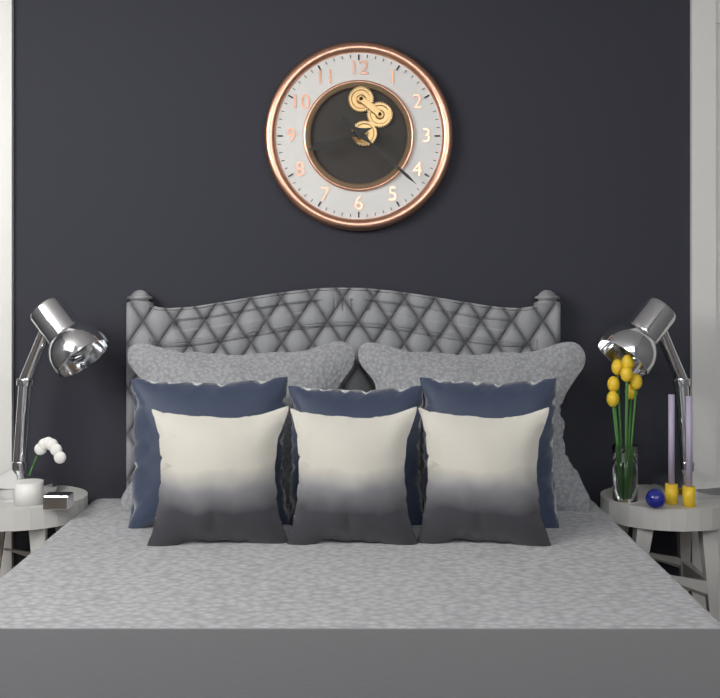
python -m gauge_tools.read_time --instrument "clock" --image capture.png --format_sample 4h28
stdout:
8h22
